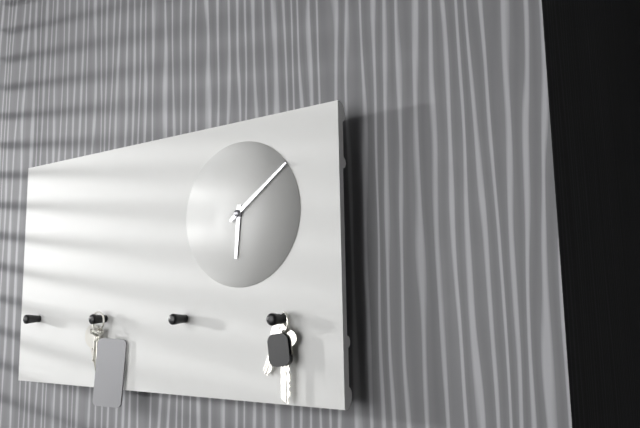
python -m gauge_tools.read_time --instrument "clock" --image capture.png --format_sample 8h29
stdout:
6h09
